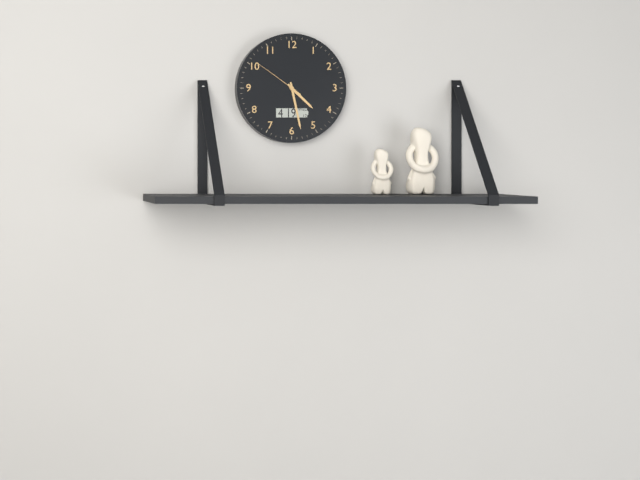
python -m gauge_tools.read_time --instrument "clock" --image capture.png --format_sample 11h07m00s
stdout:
4h28m51s
